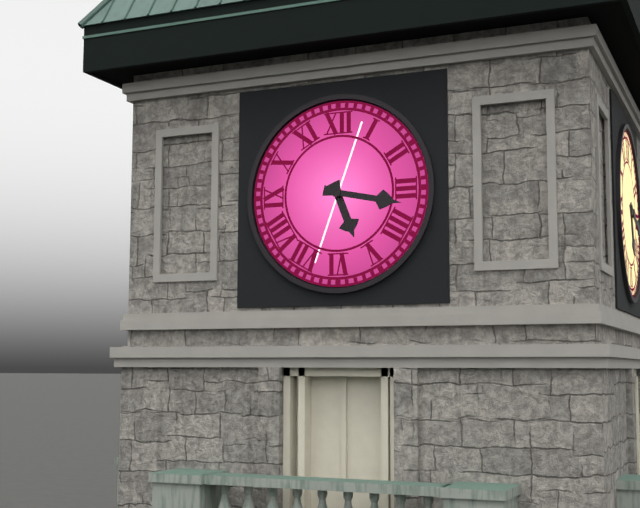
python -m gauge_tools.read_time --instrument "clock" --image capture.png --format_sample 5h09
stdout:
5h17
